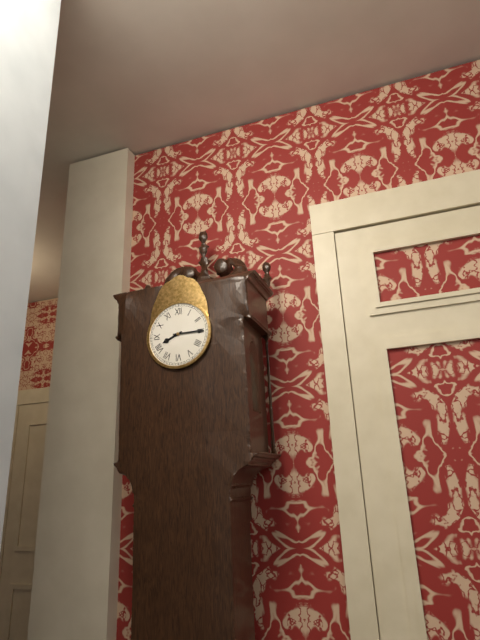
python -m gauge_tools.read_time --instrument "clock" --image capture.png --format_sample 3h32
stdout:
8h15
